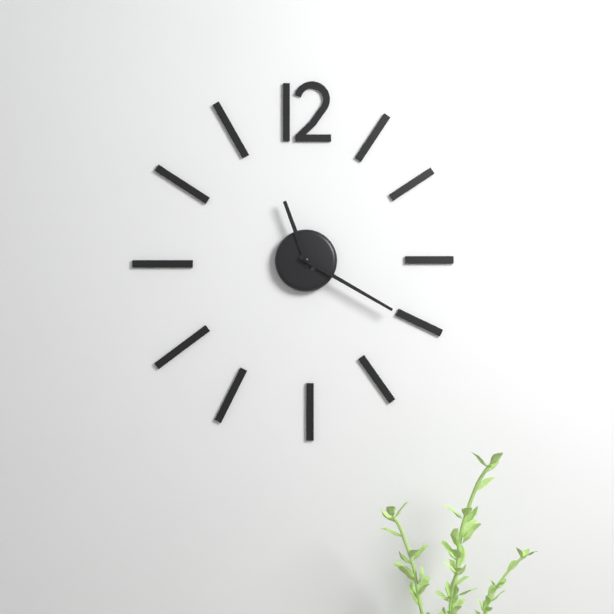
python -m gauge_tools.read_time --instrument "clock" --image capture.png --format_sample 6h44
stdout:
11h20
